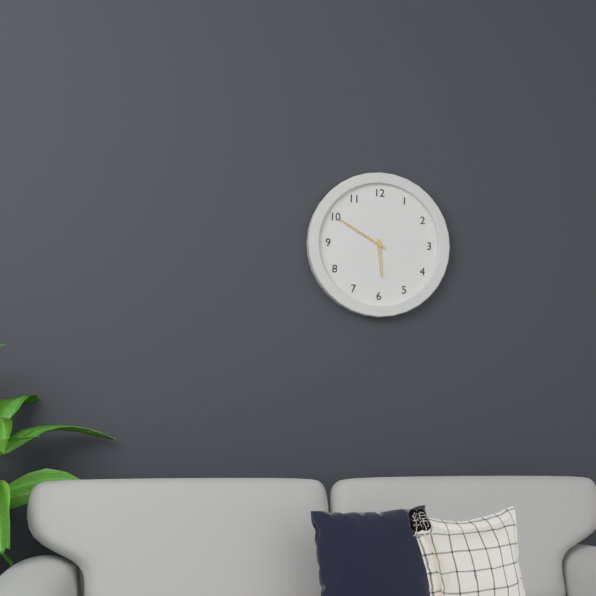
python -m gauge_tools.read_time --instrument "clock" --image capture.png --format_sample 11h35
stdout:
5h50
